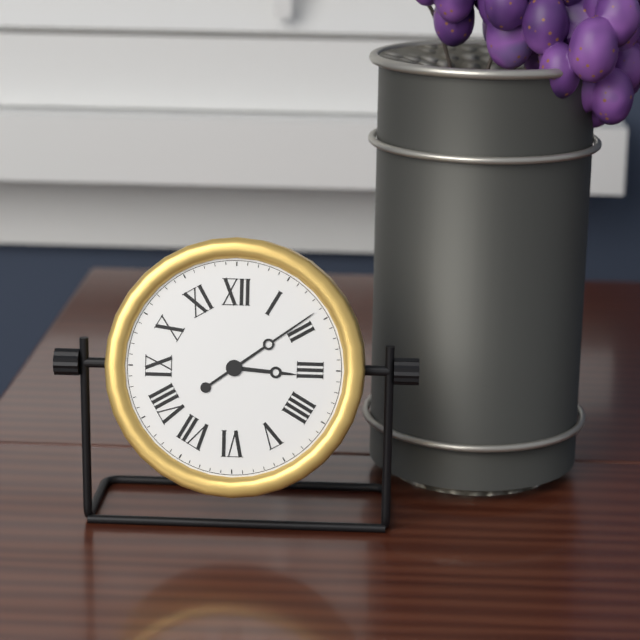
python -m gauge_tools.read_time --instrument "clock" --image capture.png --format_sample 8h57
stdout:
3h09
